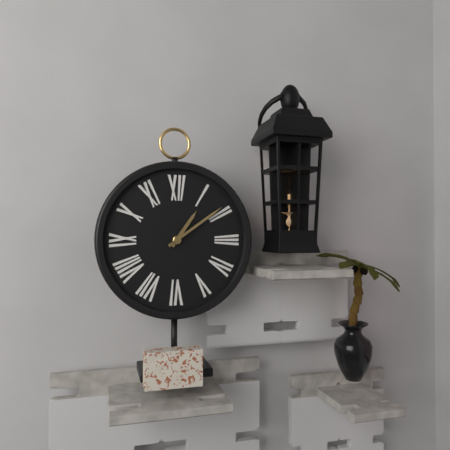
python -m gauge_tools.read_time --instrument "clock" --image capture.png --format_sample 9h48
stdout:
1h09
